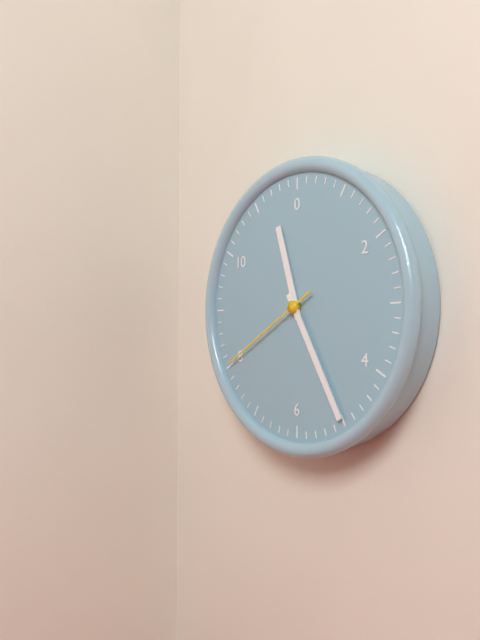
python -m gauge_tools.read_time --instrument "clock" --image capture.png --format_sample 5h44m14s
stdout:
11h25m40s
